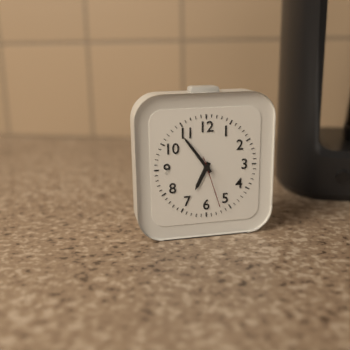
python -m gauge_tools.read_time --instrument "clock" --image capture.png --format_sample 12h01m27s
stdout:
6h54m27s
